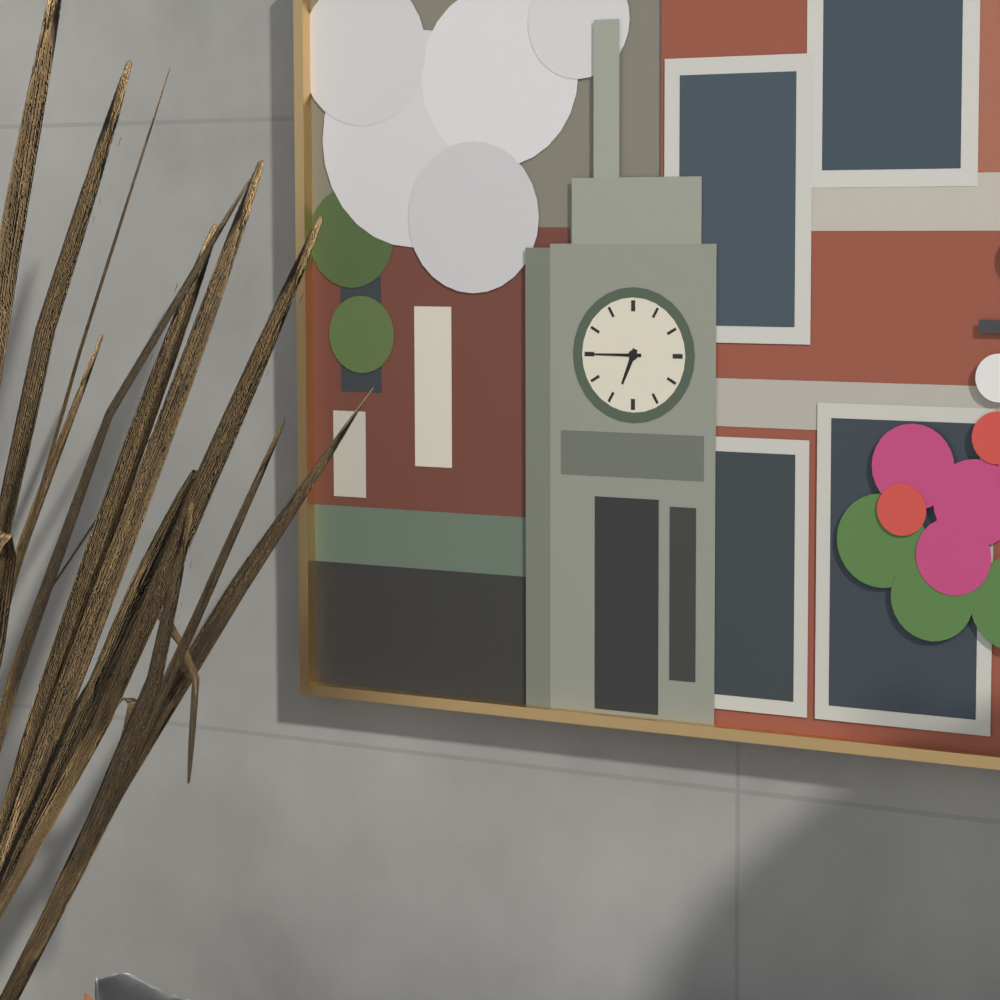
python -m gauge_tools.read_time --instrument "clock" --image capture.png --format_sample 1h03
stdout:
6h45
